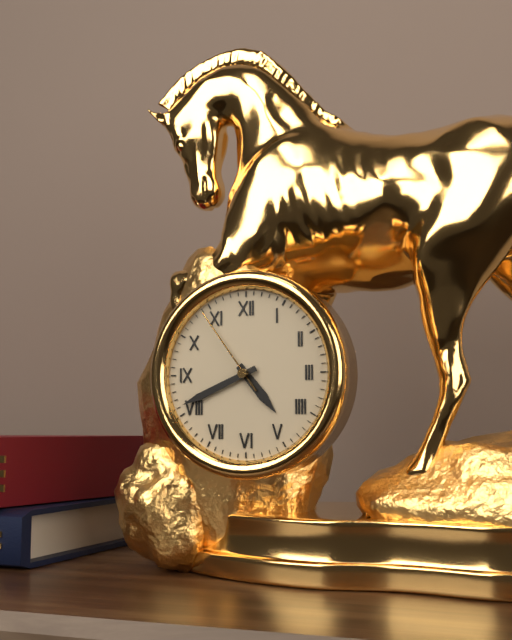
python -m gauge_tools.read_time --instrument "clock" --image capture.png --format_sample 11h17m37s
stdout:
4h41m54s
